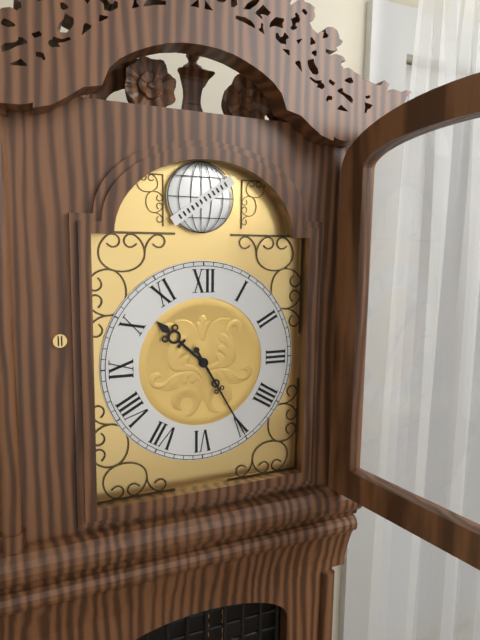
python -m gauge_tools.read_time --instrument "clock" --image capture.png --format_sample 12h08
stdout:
10h25
